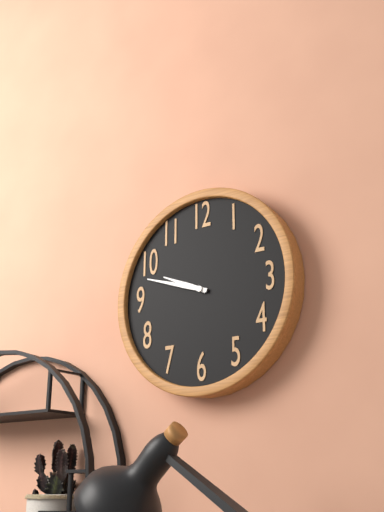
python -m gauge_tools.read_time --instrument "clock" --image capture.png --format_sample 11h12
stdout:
9h48
